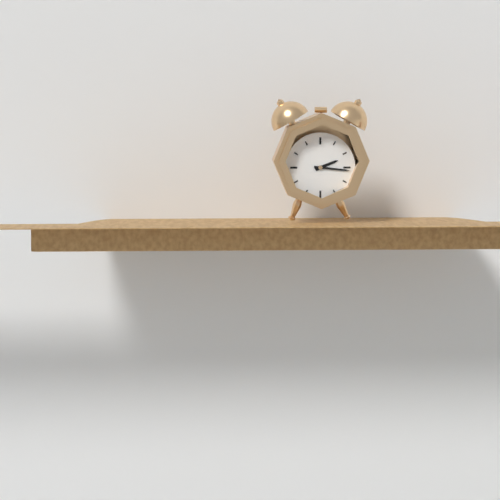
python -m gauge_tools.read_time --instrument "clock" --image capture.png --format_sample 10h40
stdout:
2h16
